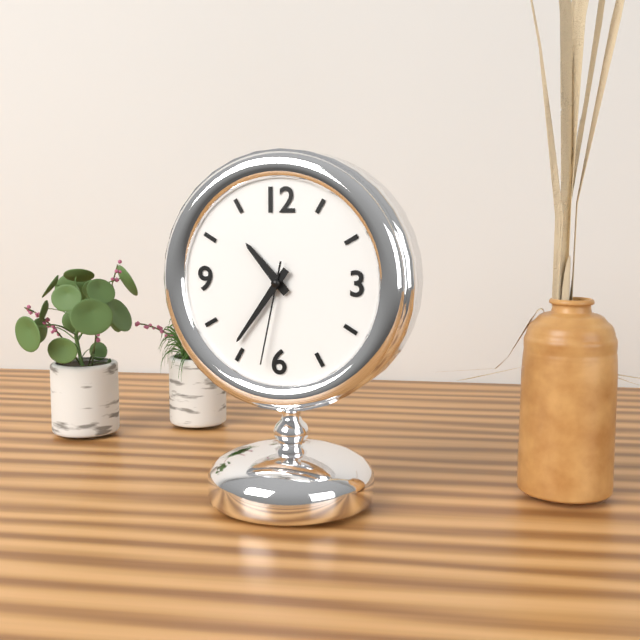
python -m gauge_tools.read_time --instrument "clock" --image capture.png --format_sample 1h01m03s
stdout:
10h36m32s
